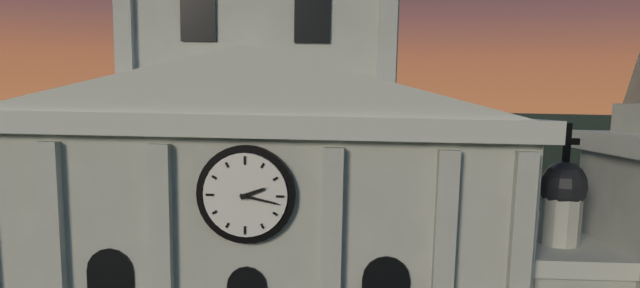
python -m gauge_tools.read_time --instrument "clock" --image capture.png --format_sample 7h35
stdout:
2h17
